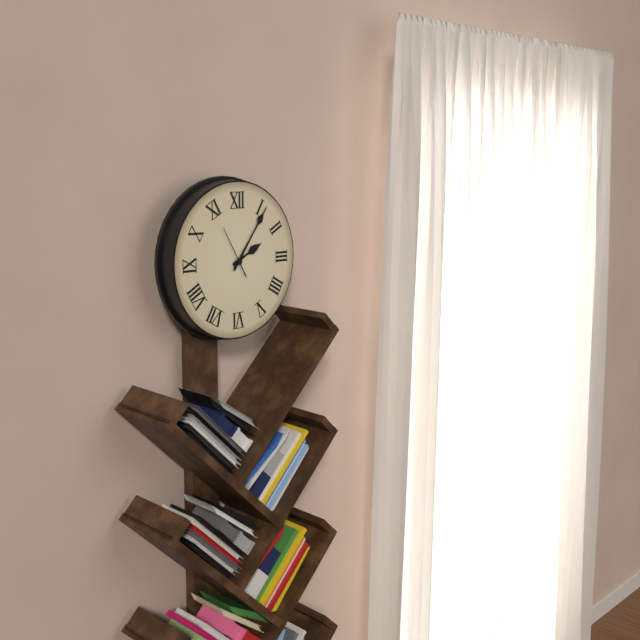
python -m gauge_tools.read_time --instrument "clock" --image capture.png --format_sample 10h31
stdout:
2h06
